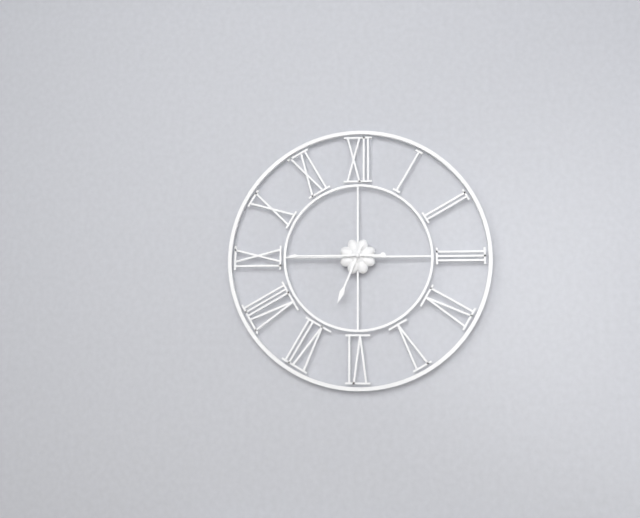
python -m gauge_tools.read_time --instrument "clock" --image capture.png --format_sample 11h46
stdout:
6h45
